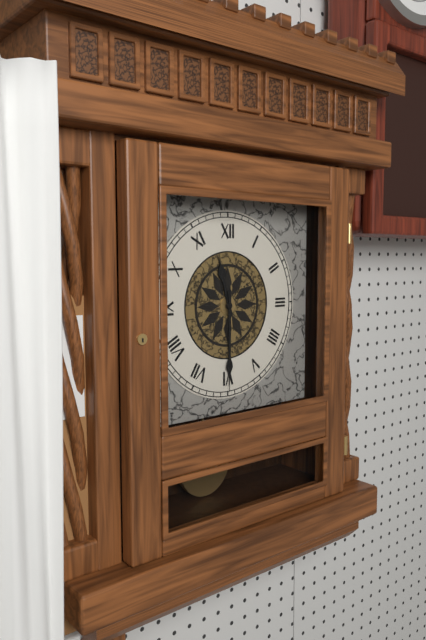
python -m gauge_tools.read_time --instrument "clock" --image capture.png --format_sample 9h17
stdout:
11h30
